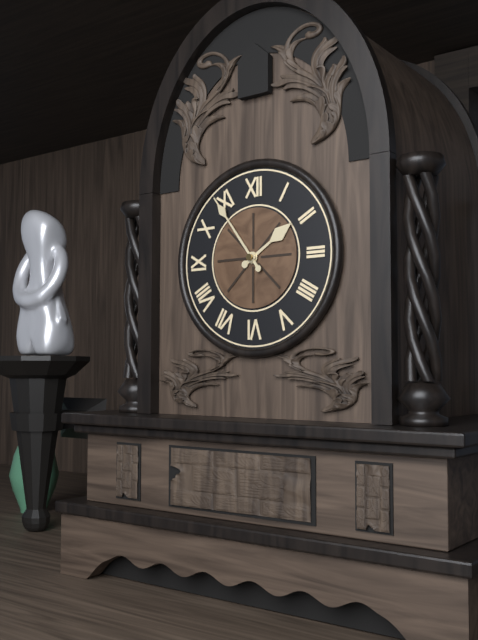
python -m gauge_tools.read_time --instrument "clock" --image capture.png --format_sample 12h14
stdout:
1h54
